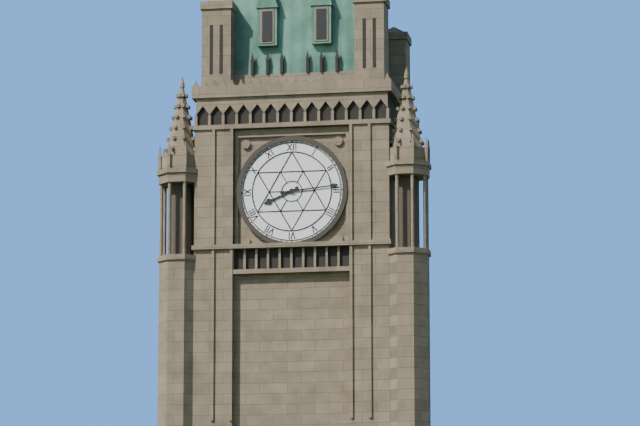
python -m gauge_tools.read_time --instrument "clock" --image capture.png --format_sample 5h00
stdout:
8h14
